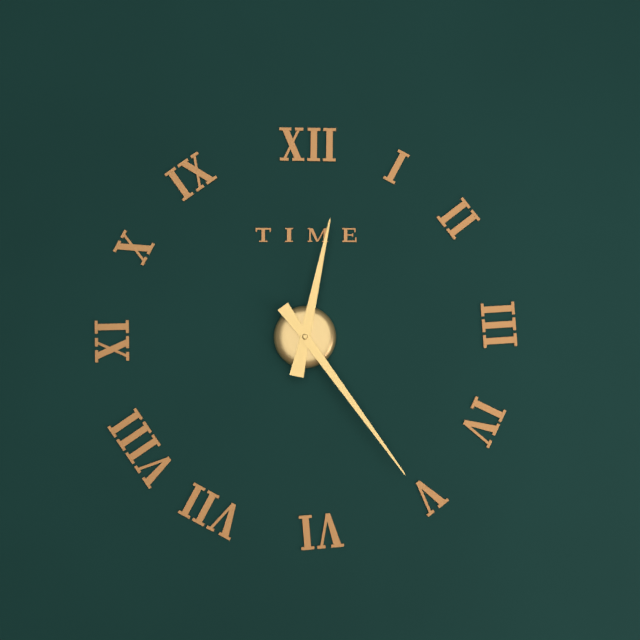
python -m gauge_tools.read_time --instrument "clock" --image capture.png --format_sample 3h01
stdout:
12h24
